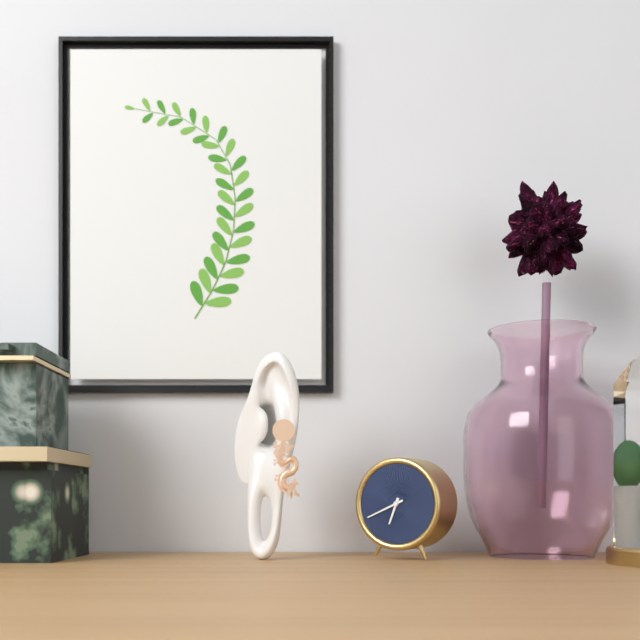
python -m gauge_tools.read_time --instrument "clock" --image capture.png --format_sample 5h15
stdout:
6h41
